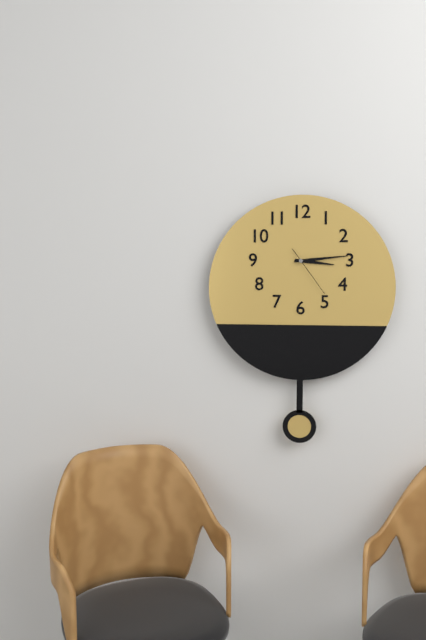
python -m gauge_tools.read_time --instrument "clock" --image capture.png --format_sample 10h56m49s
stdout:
3h14m24s
